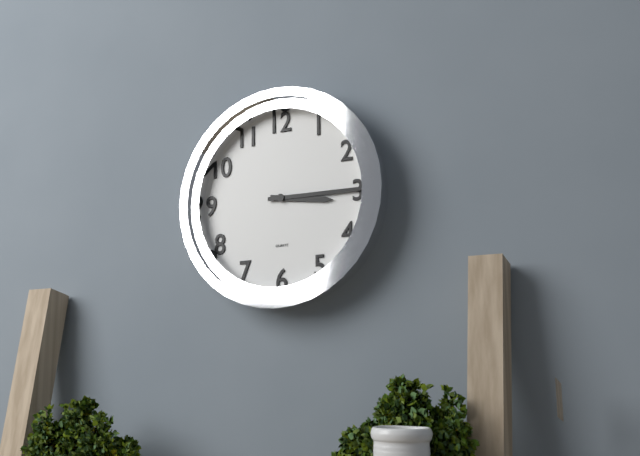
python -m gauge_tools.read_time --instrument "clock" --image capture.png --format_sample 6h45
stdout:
3h15
